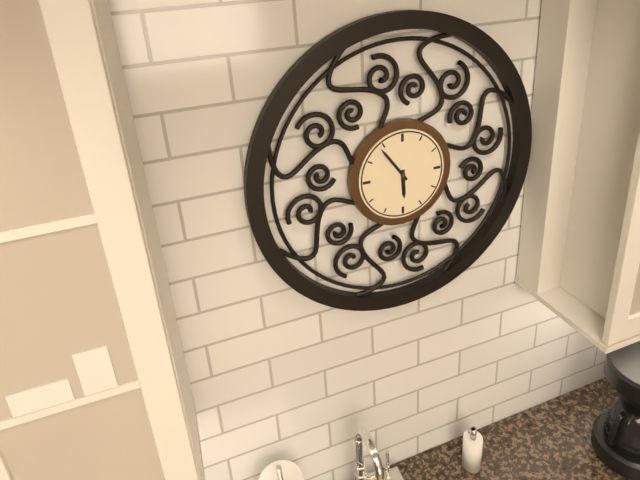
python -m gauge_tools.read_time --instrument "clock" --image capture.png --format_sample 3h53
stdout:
5h54
